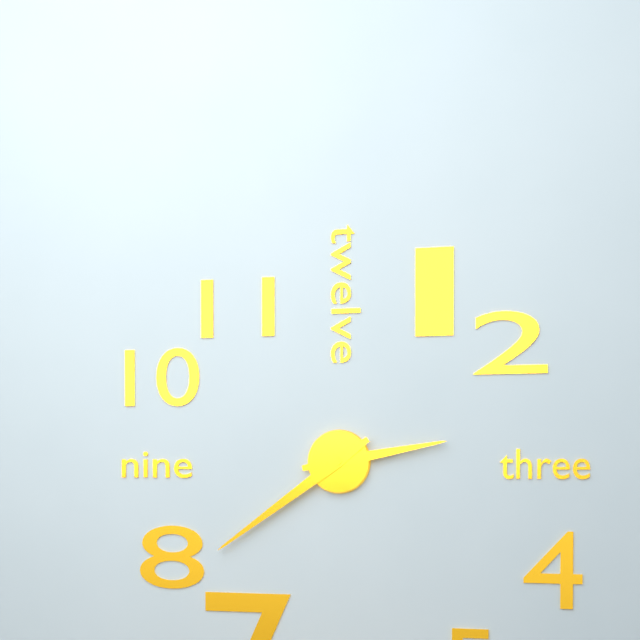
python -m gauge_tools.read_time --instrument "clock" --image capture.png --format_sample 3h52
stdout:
2h39
